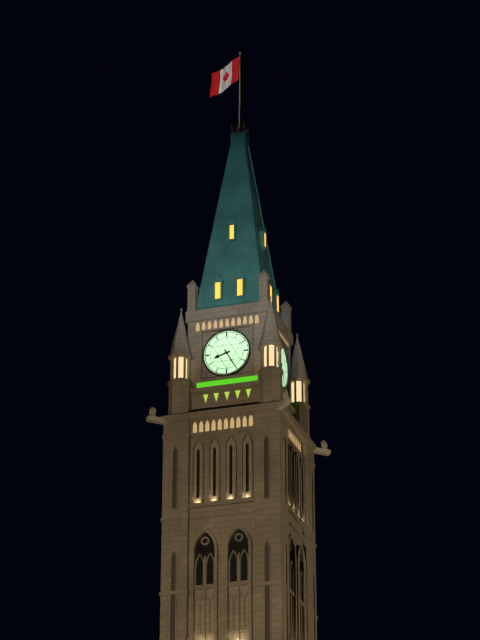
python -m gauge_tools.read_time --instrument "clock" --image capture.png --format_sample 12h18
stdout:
8h25
